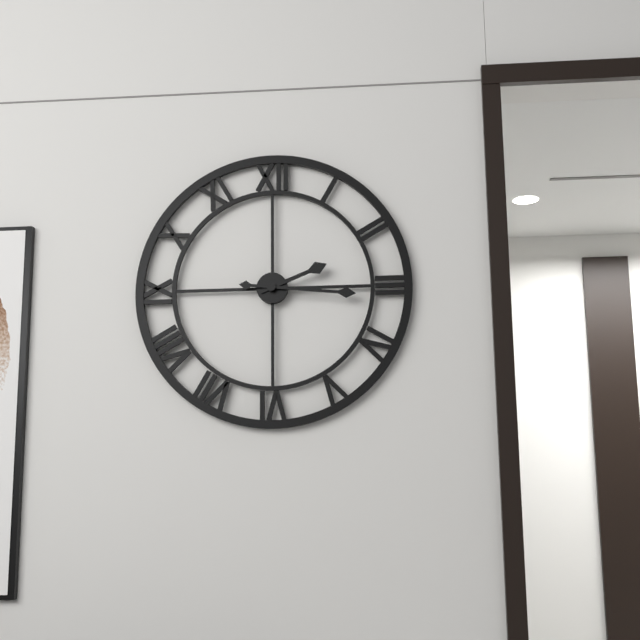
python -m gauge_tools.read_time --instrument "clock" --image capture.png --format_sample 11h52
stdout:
2h16
